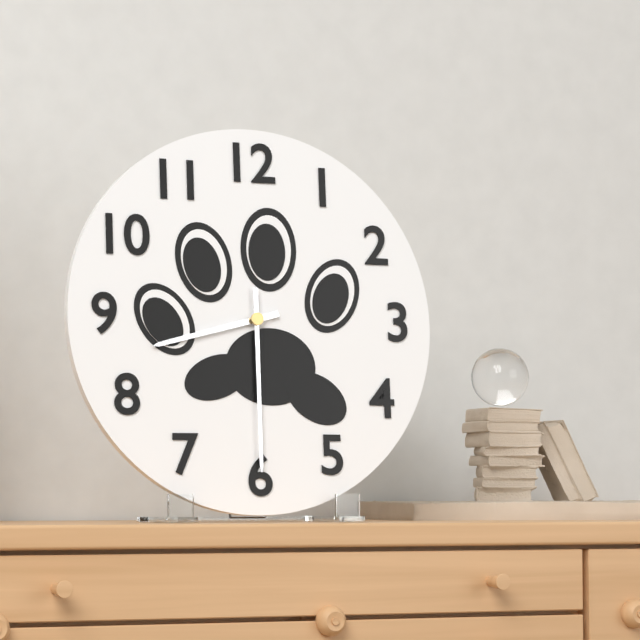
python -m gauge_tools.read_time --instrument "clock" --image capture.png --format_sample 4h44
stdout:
8h30
